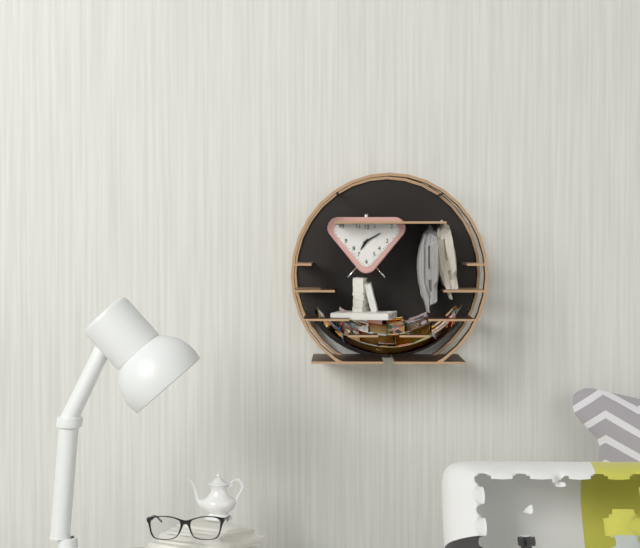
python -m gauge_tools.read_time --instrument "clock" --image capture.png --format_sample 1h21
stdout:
7h10
